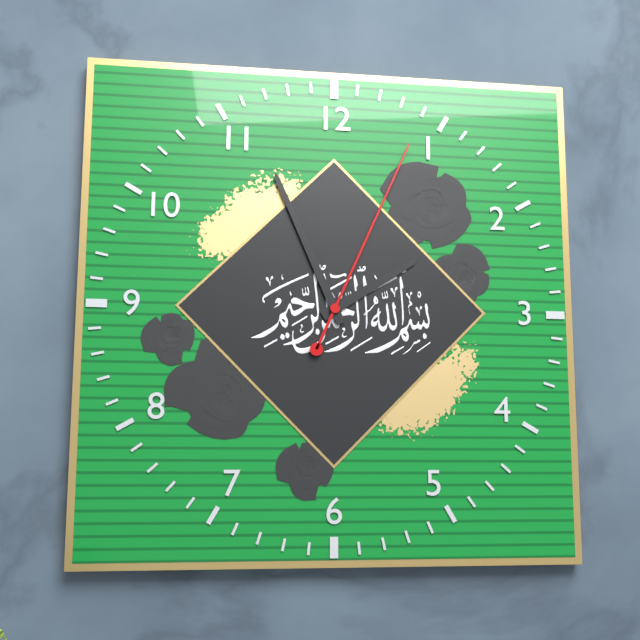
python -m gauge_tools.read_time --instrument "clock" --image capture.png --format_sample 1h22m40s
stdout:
1h56m04s
